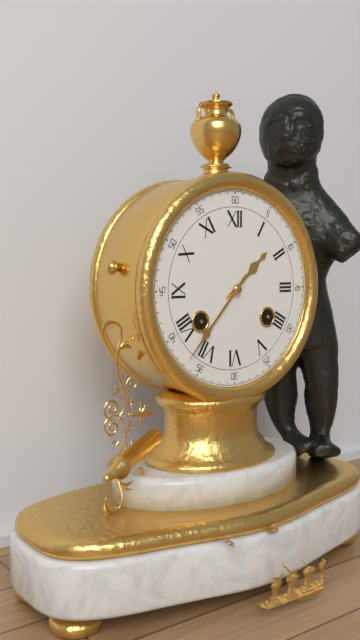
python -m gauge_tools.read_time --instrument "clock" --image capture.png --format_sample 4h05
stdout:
1h37
